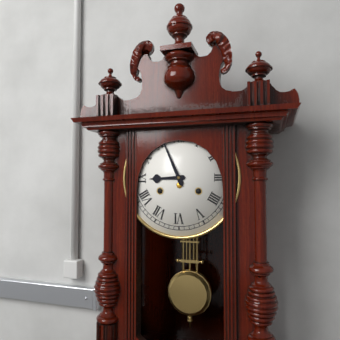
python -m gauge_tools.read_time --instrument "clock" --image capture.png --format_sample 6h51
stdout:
8h56
